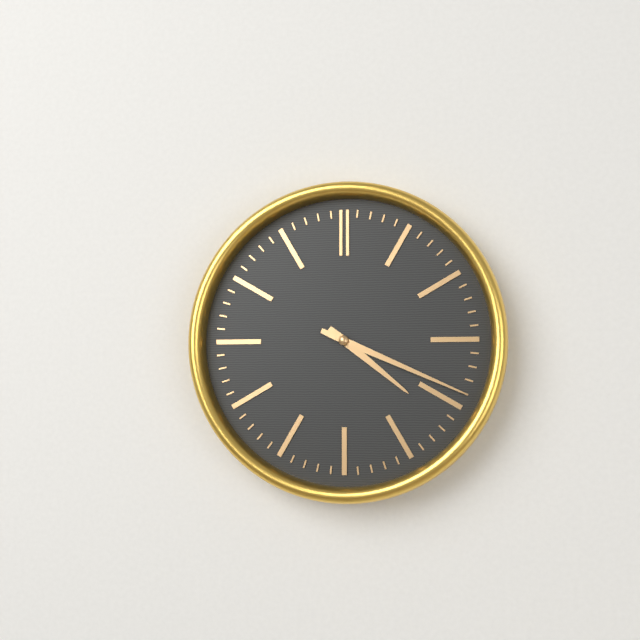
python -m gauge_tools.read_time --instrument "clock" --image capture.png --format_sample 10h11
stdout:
4h19
